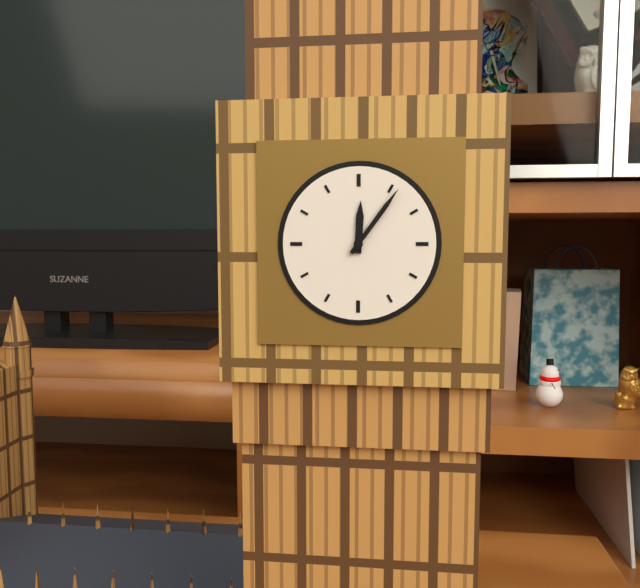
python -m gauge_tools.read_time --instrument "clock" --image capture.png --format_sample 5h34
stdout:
12h06
